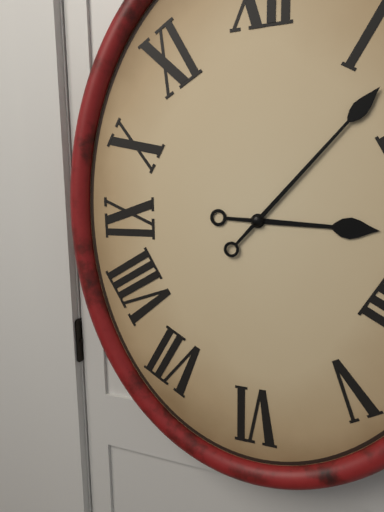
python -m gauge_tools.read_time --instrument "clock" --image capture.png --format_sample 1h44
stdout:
3h07
